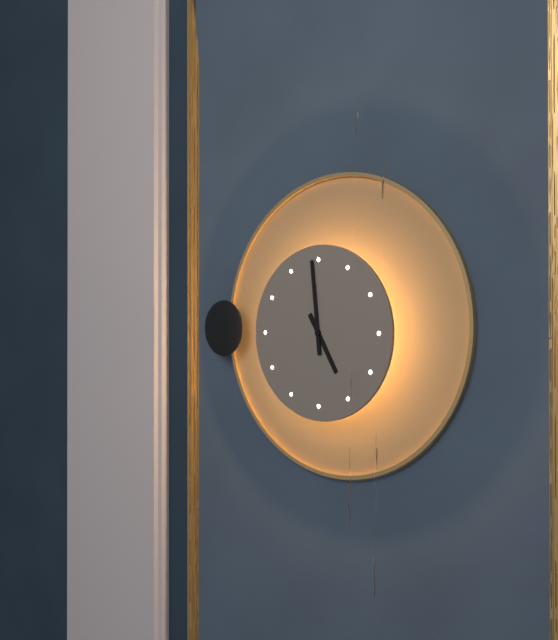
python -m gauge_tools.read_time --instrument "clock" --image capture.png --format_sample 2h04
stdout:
4h59
